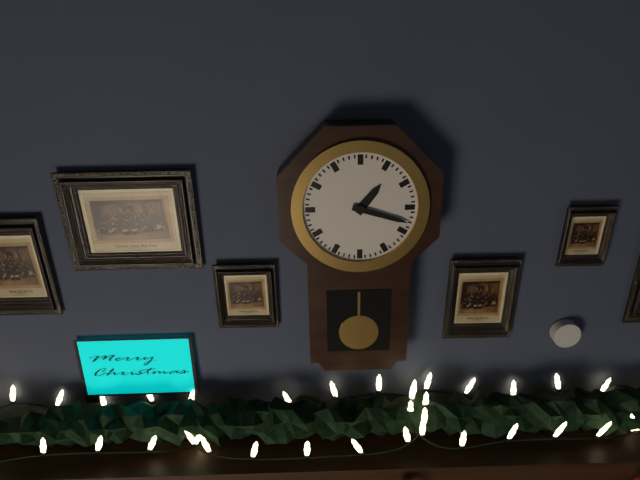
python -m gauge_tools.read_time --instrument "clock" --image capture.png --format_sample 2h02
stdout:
1h18
